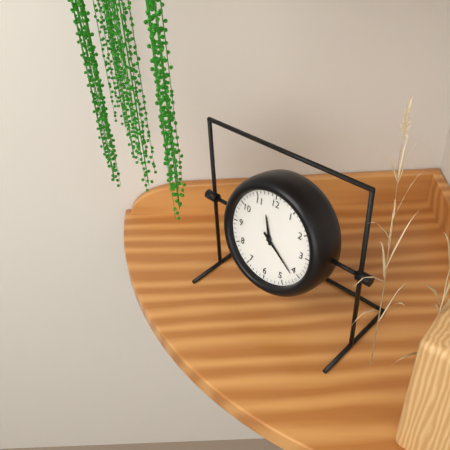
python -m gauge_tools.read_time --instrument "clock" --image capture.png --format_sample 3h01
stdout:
11h21
